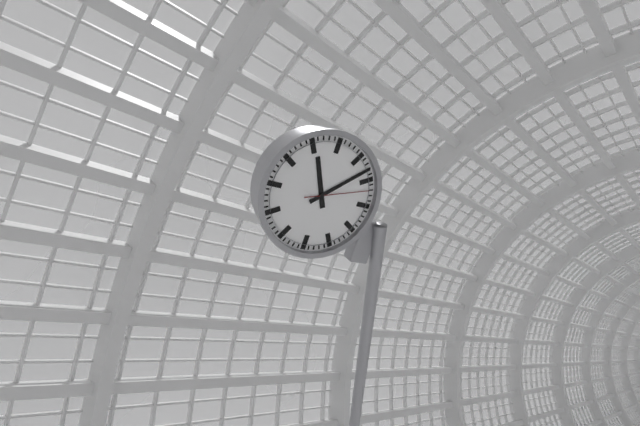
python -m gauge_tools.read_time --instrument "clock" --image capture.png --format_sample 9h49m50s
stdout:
11h08m12s
